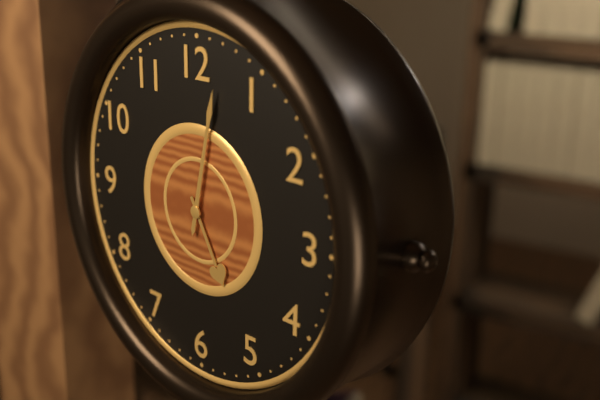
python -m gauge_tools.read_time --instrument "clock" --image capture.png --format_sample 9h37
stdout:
5h02
